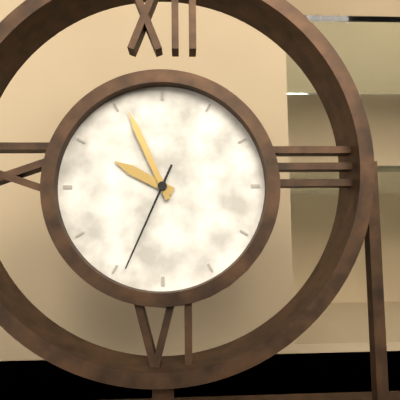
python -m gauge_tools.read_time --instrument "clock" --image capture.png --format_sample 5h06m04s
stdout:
9h56m34s
